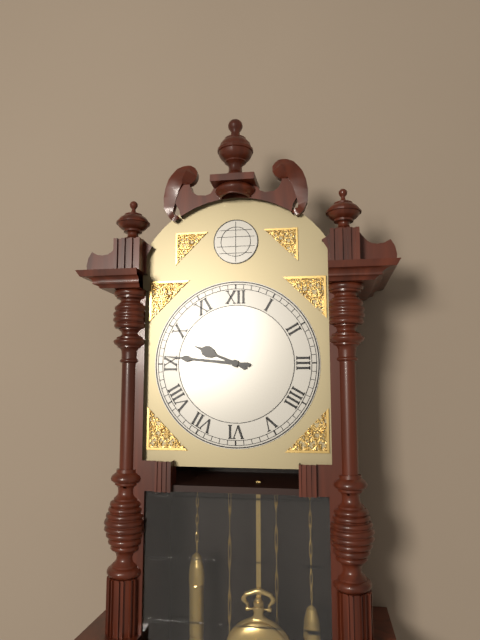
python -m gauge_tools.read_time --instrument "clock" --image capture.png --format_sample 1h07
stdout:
9h46
